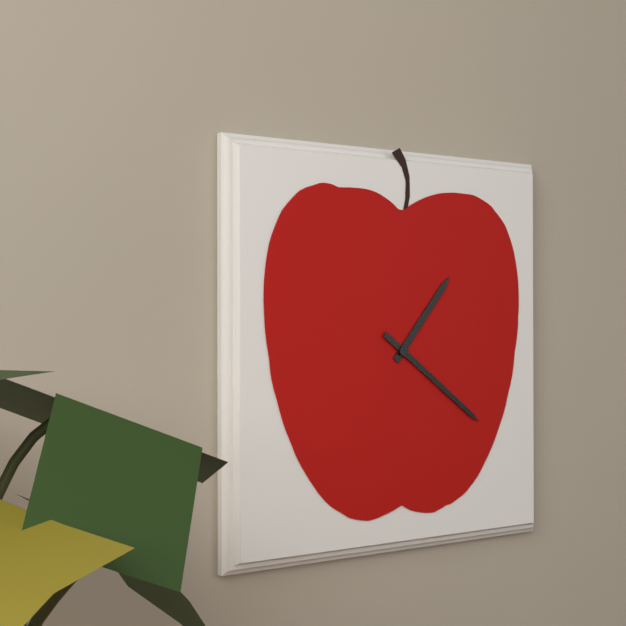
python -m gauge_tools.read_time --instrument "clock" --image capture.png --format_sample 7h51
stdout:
1h21
